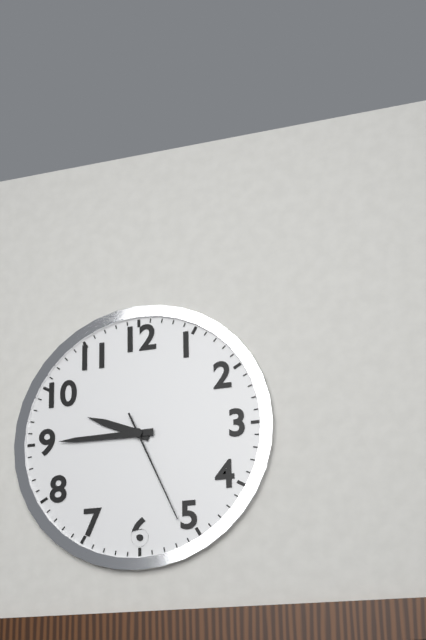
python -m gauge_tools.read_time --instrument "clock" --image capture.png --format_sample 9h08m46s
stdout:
9h45m26s
